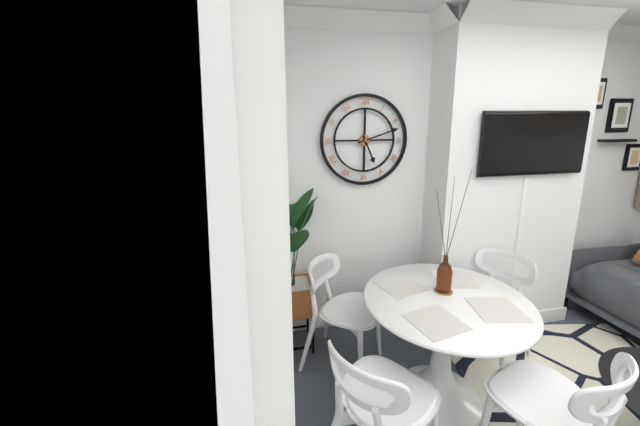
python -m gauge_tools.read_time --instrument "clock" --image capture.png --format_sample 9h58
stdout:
5h12
